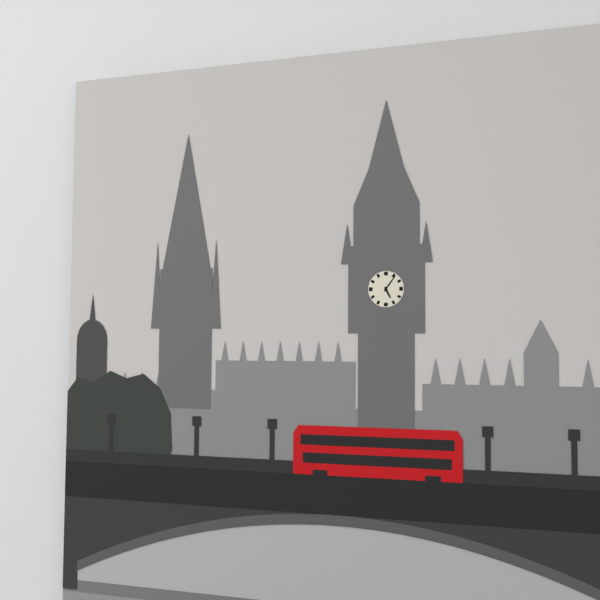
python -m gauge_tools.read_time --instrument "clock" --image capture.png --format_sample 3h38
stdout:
5h06
